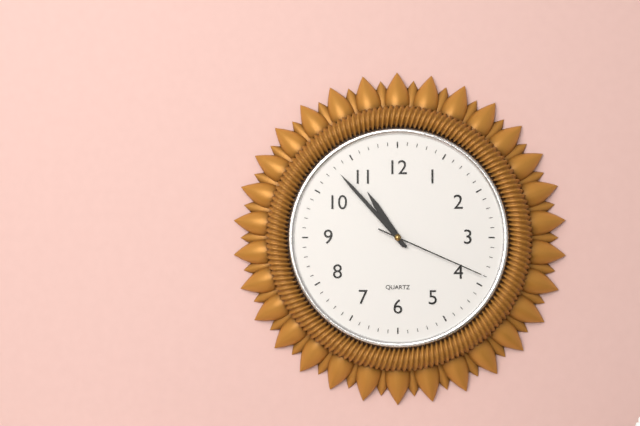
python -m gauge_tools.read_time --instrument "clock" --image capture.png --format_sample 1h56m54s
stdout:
10h53m19s
